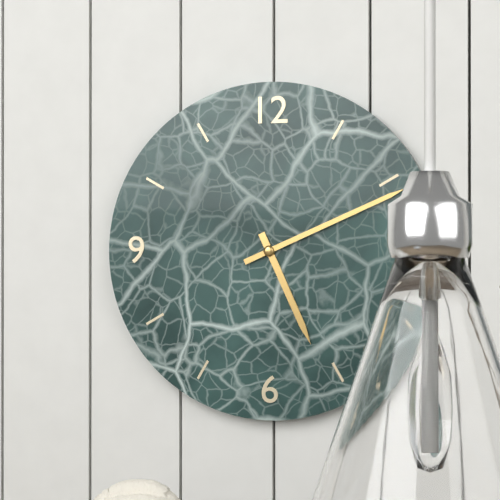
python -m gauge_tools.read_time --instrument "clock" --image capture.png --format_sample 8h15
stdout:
5h11
